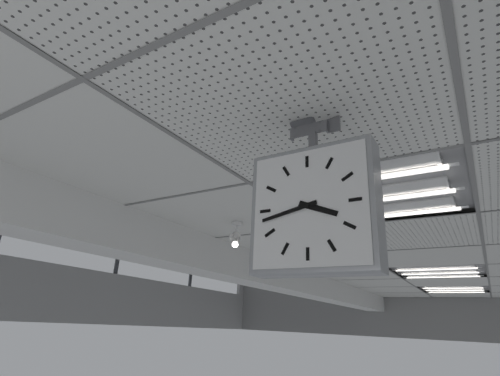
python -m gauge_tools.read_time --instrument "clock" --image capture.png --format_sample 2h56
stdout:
3h43
